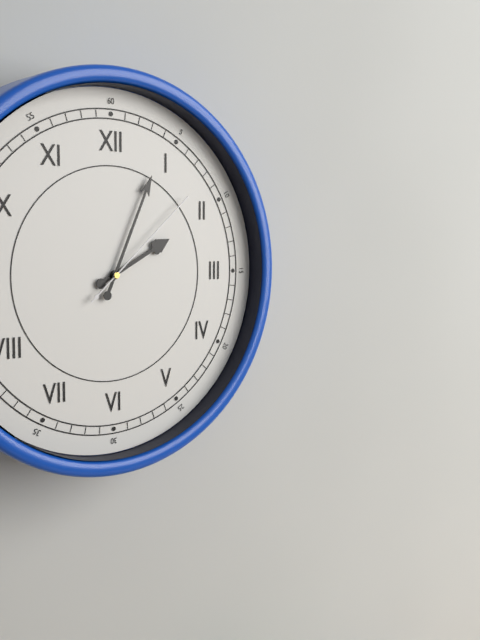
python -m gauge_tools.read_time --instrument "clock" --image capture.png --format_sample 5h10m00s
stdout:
2h04m08s
